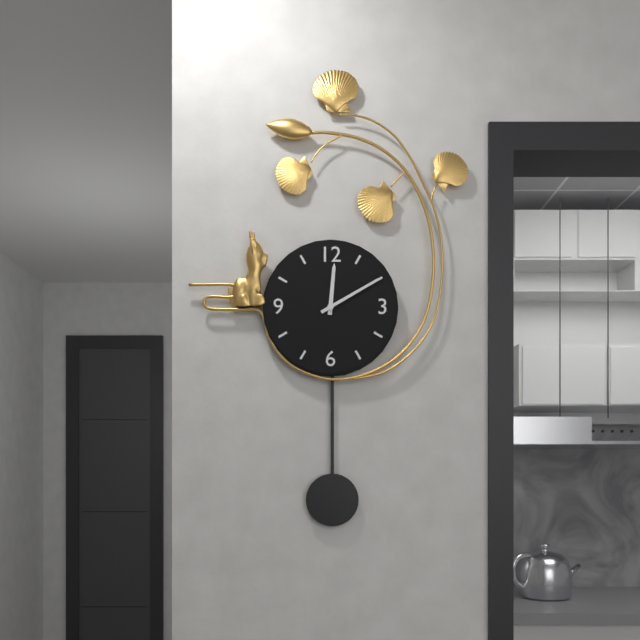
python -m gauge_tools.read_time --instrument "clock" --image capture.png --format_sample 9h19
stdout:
12h10
